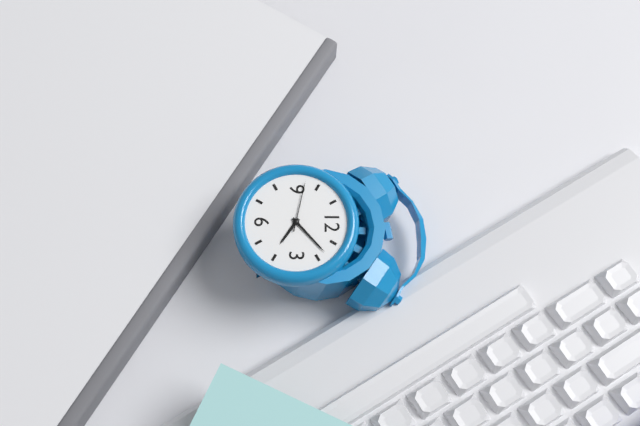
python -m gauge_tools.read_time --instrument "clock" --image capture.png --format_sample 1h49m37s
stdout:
4h08m47s
